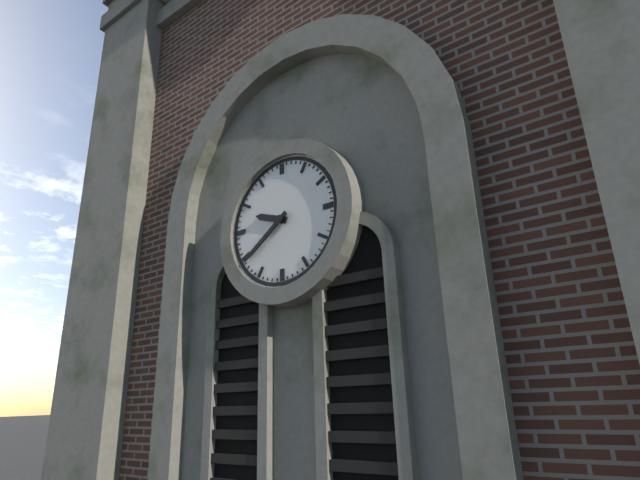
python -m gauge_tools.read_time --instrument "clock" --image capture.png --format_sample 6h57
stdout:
9h39
